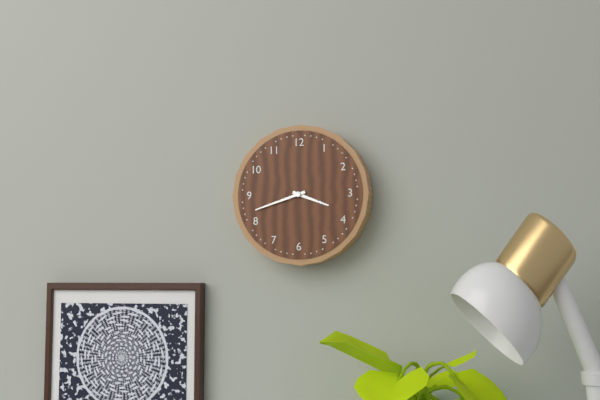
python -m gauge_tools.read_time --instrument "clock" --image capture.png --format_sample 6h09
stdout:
3h42
